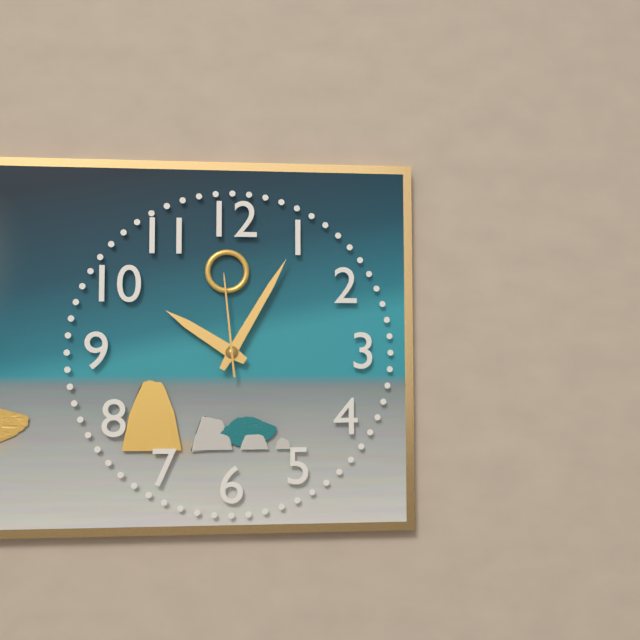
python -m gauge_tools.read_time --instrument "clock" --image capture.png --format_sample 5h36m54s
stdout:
10h05m59s
